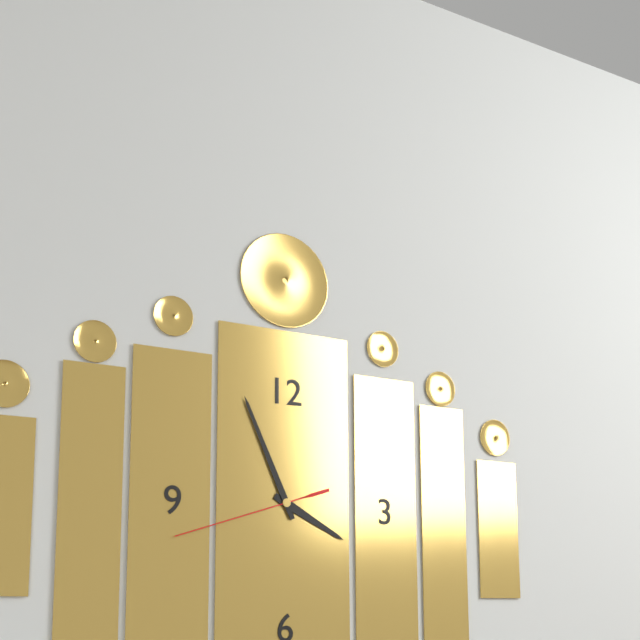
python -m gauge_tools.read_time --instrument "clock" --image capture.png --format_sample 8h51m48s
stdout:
3h56m42s
